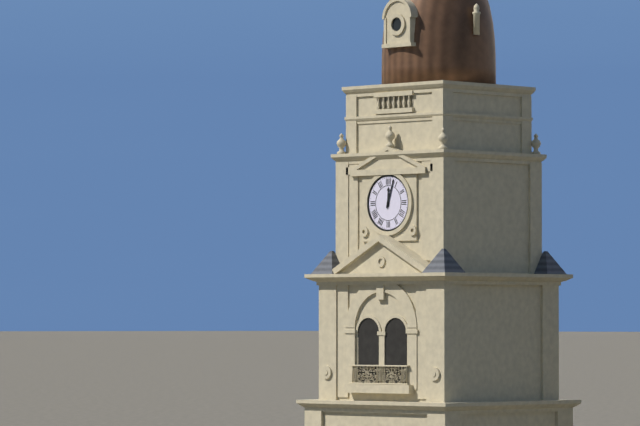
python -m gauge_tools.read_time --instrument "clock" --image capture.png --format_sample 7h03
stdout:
12h03
